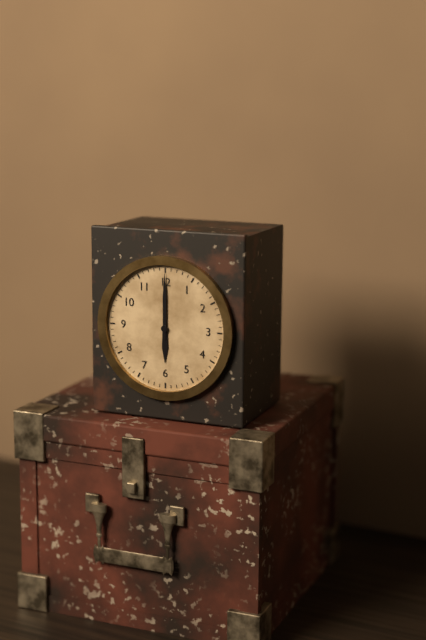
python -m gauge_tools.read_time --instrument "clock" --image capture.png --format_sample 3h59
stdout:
6h00
